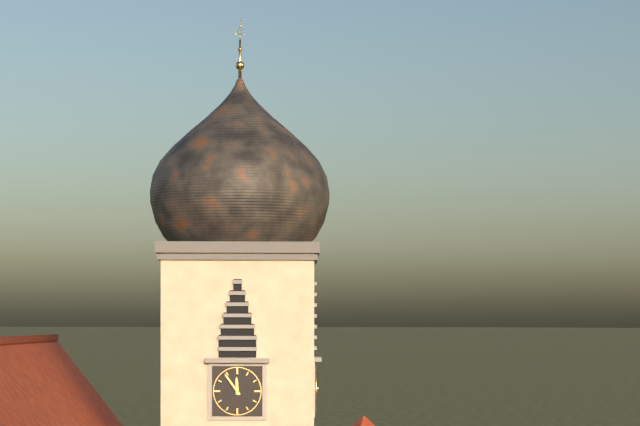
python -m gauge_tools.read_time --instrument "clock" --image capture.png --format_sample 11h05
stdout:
11h54
